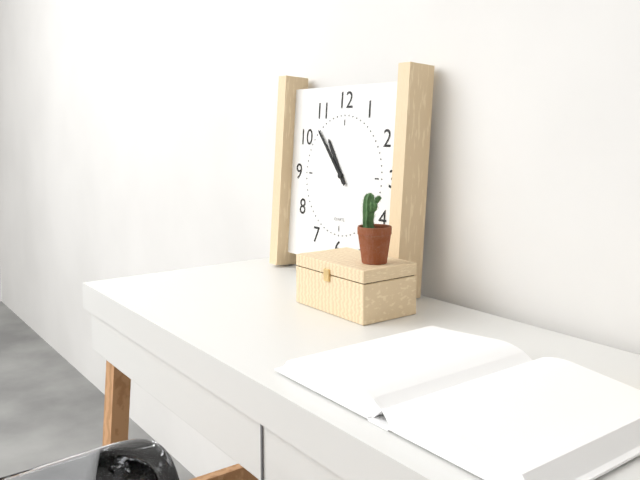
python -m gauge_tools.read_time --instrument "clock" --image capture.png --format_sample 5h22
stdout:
10h53
